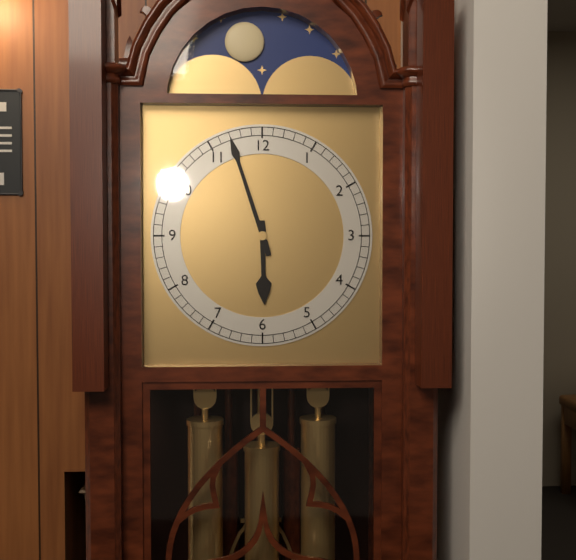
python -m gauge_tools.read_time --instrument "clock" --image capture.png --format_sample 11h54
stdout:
5h57
